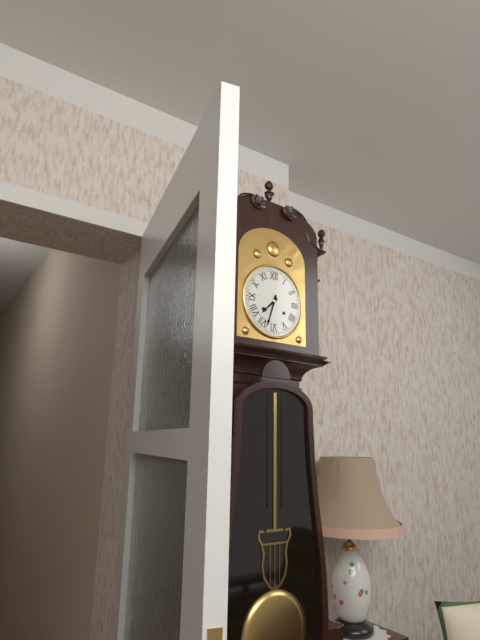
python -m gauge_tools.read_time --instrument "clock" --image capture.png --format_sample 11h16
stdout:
7h33
